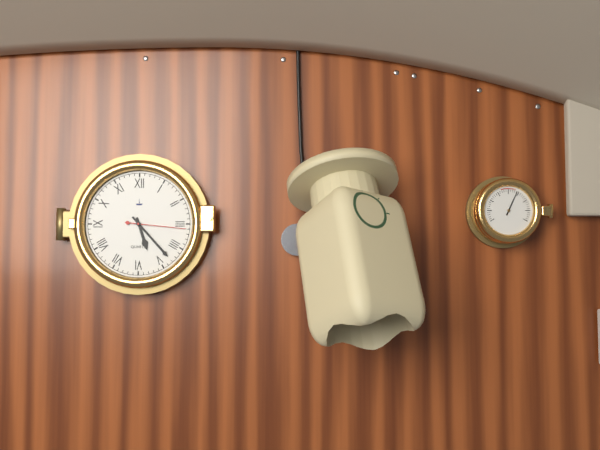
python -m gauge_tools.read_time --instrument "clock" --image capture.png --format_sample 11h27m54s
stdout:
5h23m16s
